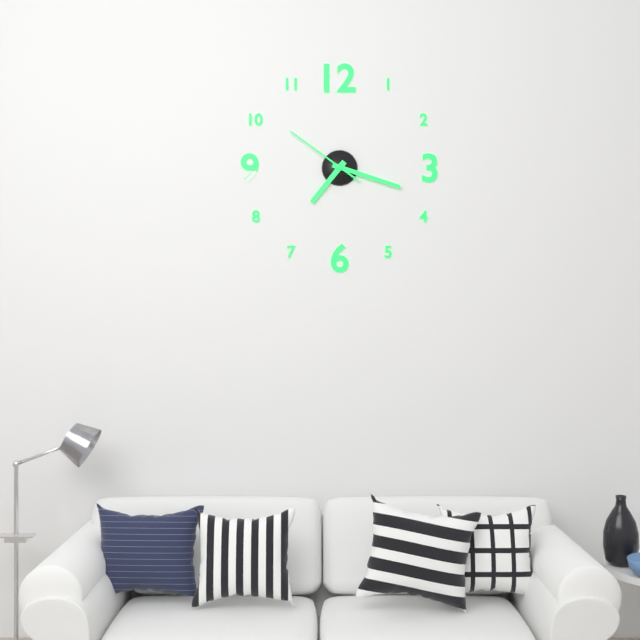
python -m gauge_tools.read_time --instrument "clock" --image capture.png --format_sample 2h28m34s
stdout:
7h18m51s
